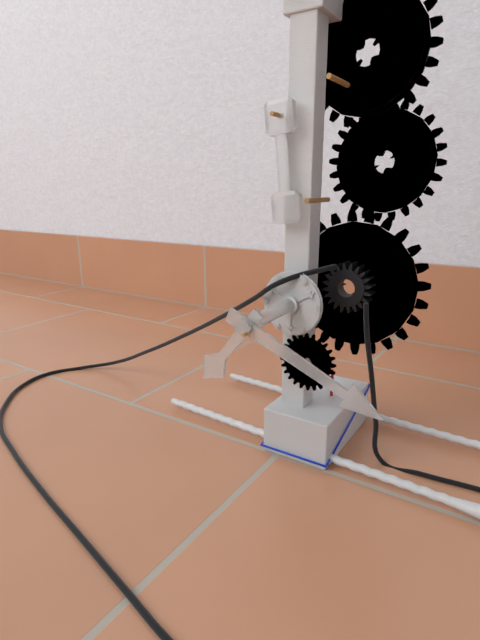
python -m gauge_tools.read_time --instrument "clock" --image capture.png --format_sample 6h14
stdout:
7h19
